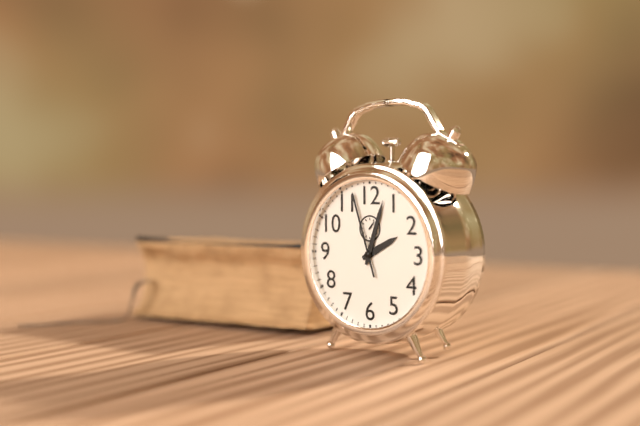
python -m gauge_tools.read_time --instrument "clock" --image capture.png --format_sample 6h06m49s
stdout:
2h03m57s
